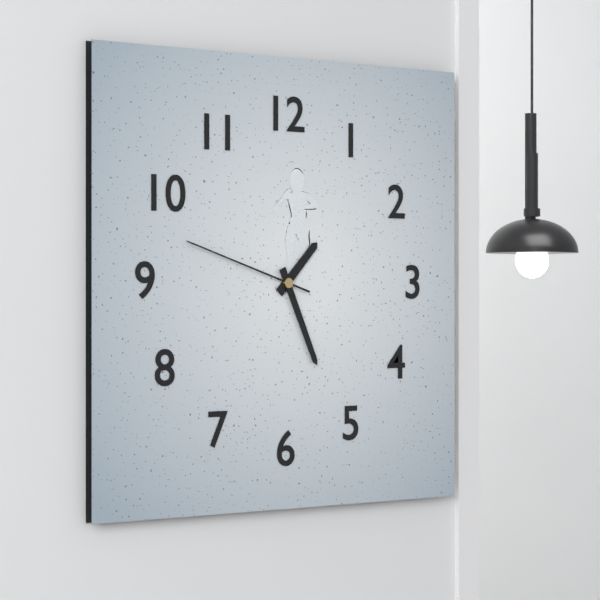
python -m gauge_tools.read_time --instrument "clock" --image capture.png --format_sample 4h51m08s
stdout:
1h26m48s
